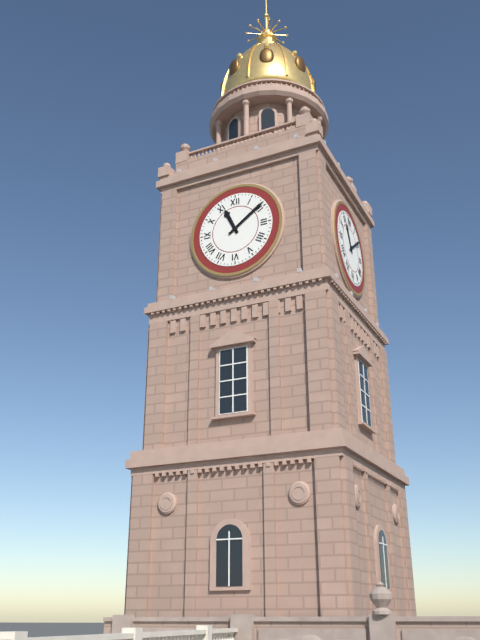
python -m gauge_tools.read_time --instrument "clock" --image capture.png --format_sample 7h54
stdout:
11h09
